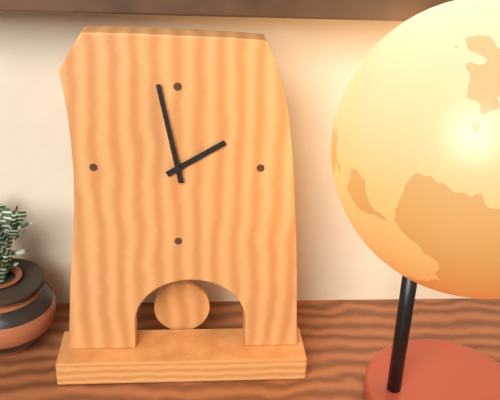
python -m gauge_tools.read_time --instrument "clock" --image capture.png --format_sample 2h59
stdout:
1h58
